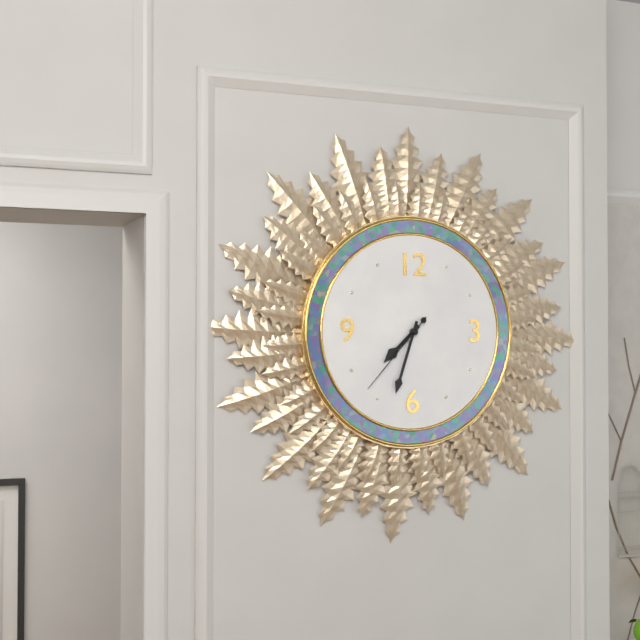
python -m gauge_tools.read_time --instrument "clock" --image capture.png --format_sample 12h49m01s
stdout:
7h33m37s
